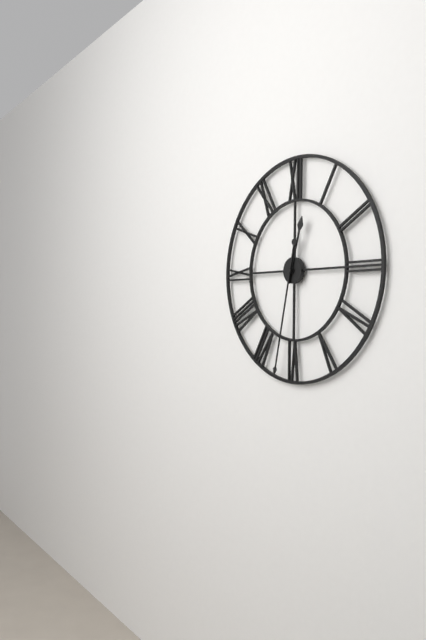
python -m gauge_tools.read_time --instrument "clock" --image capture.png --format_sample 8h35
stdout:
12h32
